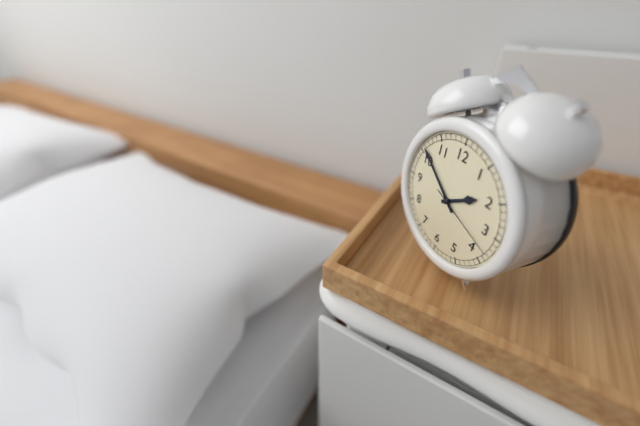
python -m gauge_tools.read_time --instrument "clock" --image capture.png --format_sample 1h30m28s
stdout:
1h51m18s
